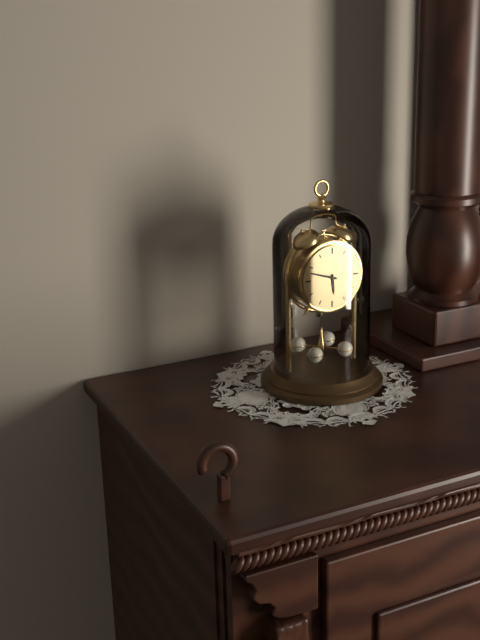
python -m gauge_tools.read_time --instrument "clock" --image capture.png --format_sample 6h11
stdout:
5h48
